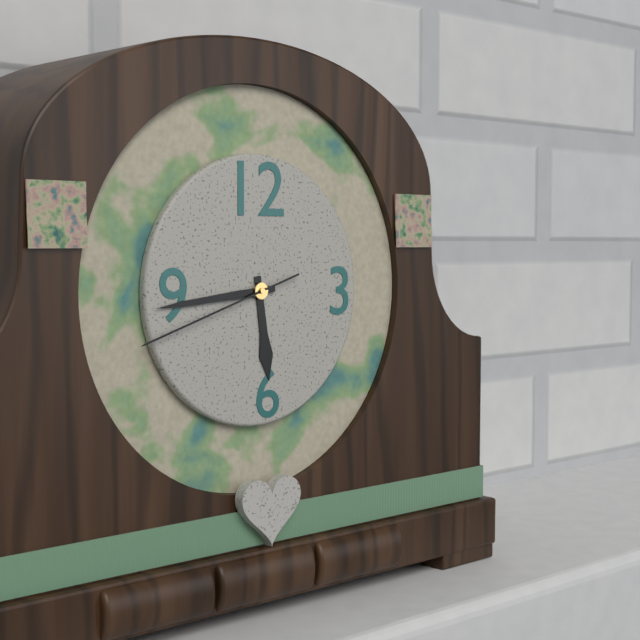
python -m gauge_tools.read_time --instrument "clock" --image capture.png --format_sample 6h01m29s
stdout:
5h44m42s
